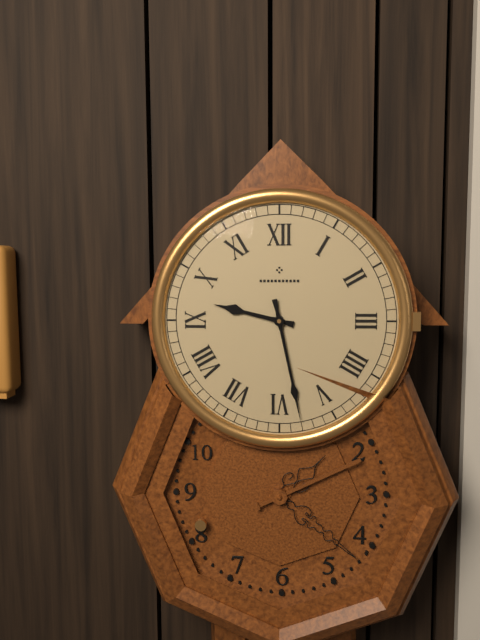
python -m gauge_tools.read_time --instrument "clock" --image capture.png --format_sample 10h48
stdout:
9h28
